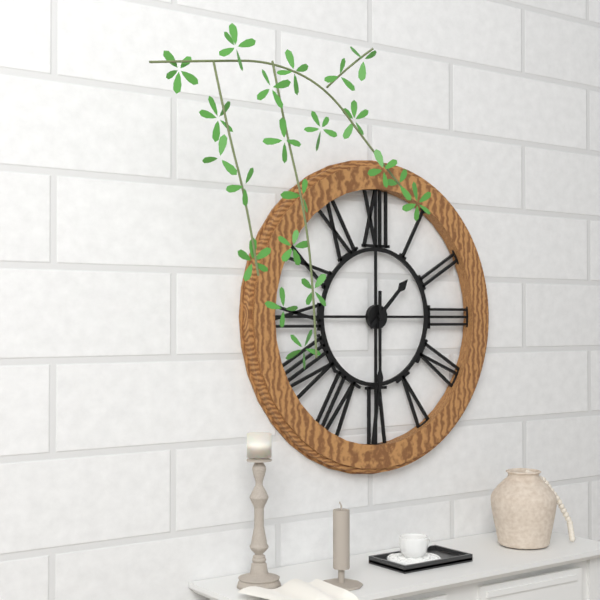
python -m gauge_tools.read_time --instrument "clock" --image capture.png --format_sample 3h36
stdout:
1h30
